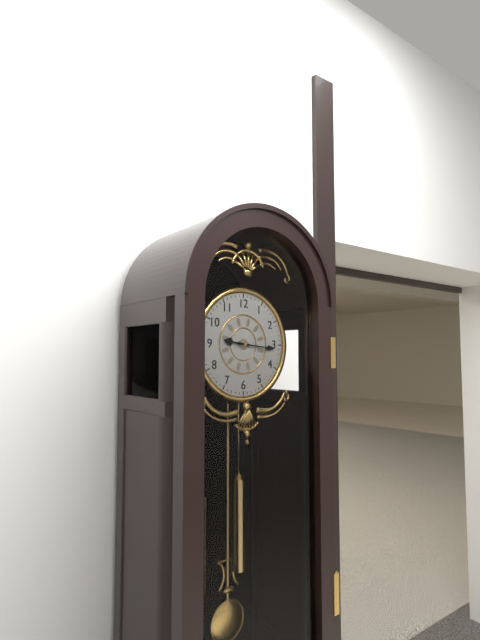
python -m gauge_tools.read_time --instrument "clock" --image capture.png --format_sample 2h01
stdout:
9h16
